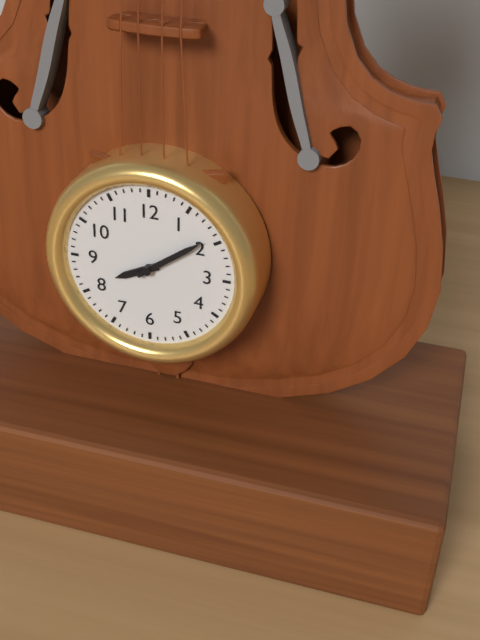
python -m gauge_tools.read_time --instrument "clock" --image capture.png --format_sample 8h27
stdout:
8h09
